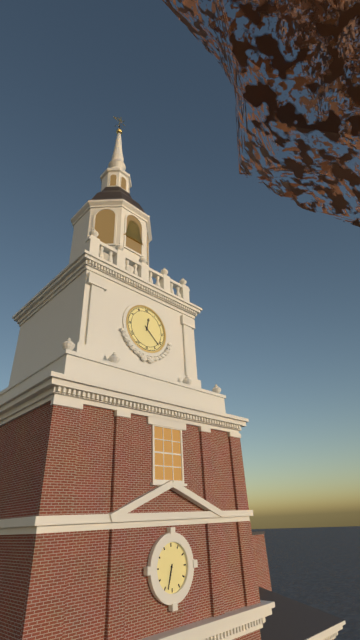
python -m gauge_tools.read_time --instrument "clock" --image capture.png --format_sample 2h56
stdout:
12h22
